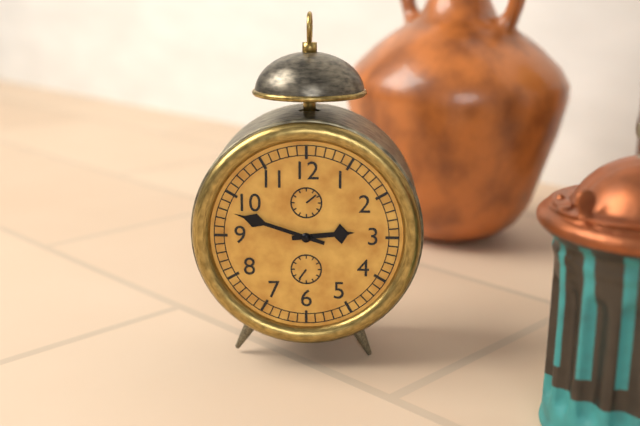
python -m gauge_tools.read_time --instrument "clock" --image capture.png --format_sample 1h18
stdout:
2h48
